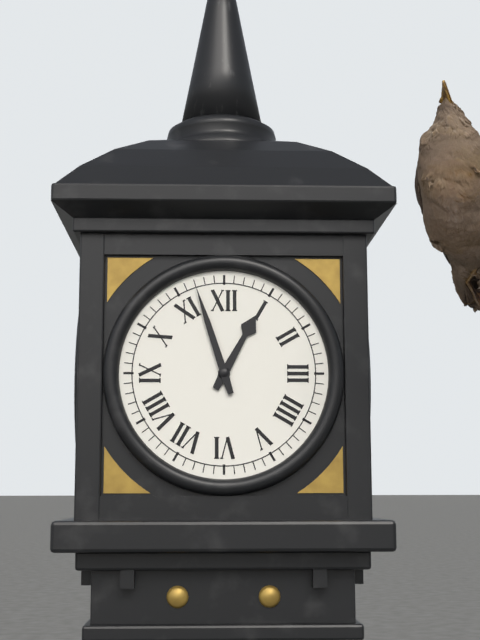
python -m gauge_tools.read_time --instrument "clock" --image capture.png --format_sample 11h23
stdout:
12h57
